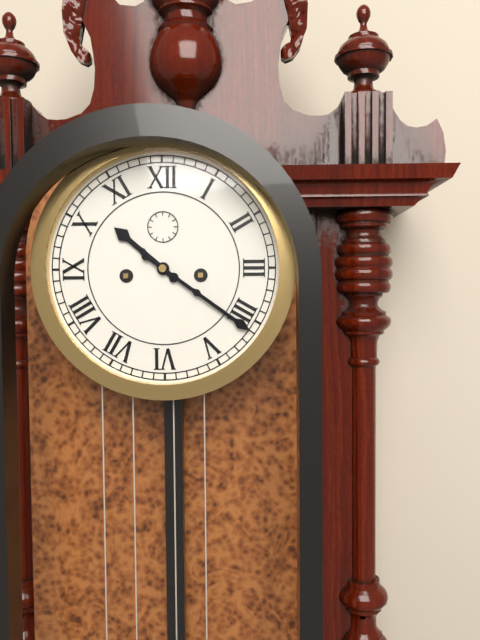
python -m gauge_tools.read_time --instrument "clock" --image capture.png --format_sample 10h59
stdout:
10h21
